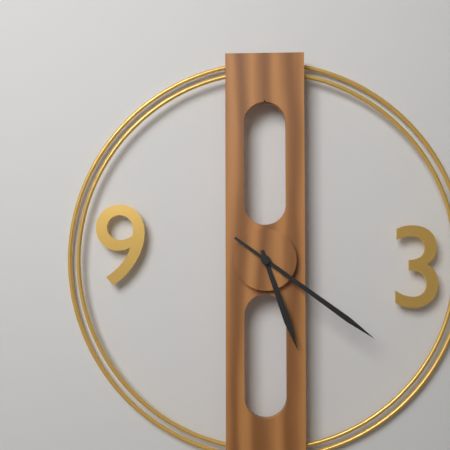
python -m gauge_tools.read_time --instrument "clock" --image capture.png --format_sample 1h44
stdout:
5h21
